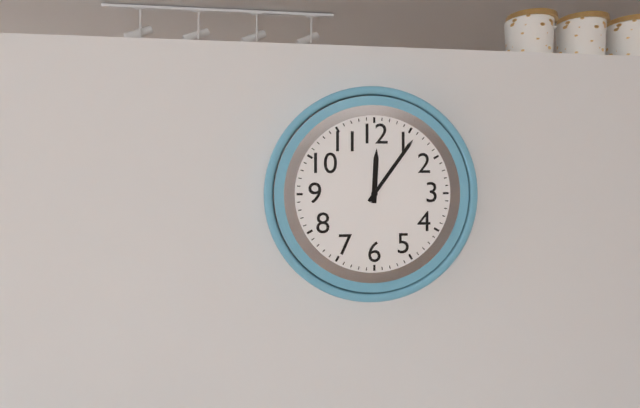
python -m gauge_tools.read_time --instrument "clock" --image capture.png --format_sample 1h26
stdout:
12h06
